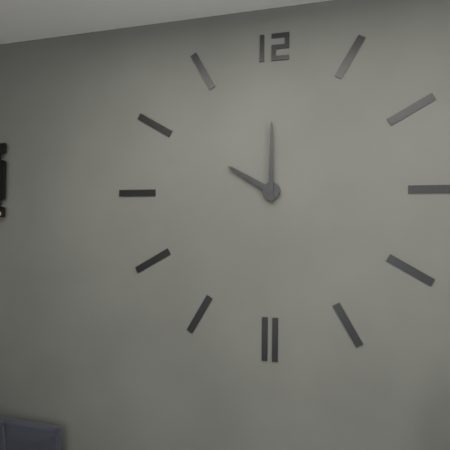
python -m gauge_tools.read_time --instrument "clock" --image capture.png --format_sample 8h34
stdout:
10h00
